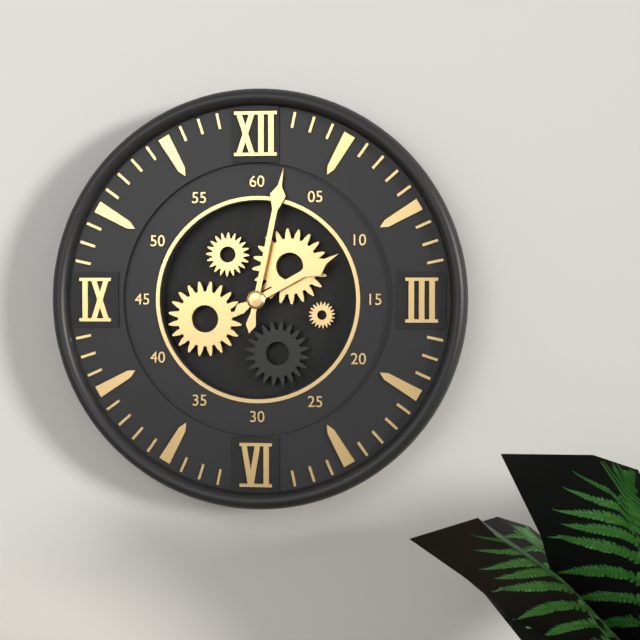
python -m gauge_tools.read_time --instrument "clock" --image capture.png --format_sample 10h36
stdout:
2h02
